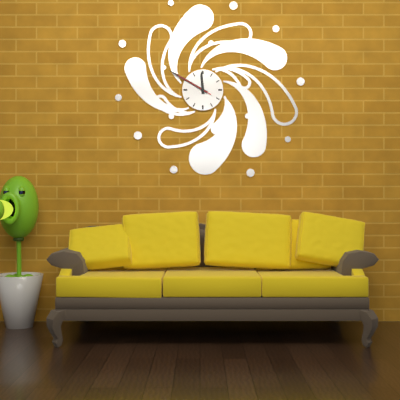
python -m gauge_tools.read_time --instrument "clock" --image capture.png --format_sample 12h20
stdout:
11h50
